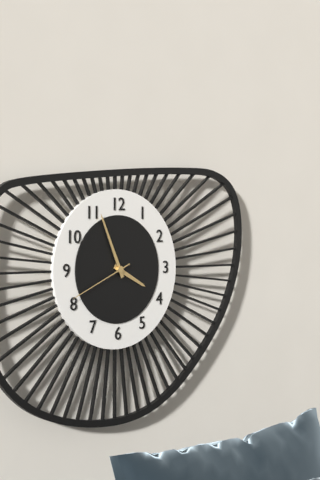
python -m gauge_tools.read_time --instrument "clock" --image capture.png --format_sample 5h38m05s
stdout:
3h56m41s
